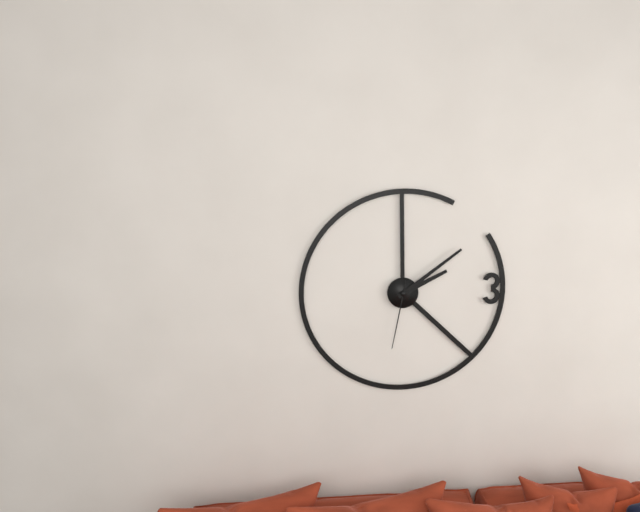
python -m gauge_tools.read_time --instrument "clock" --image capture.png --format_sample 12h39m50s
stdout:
2h09m32s
